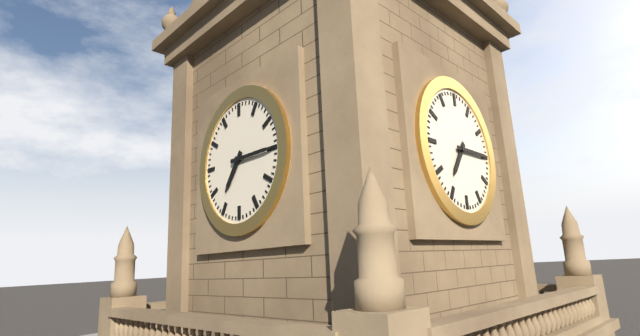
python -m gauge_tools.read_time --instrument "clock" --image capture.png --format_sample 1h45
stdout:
7h15
